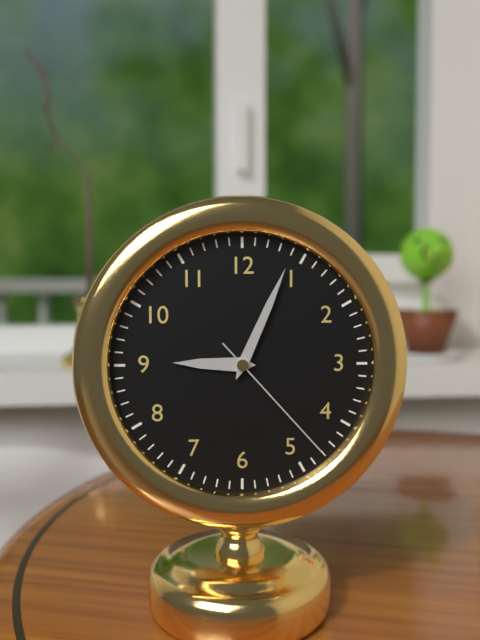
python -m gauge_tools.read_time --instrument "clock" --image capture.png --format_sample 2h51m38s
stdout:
9h04m23s
